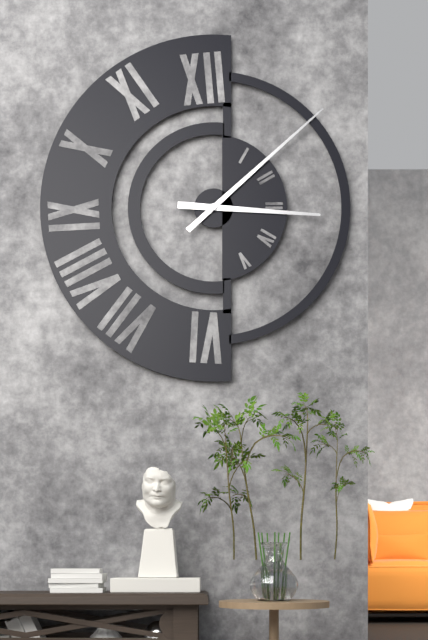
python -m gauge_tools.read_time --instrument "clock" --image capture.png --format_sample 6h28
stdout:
3h08
